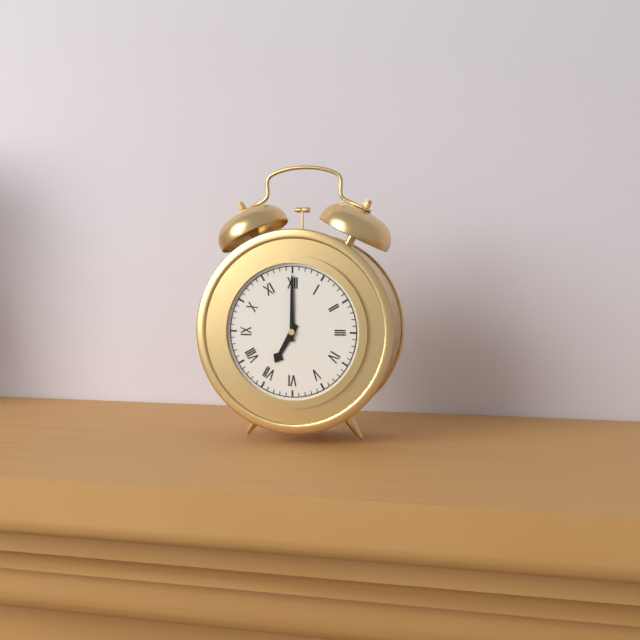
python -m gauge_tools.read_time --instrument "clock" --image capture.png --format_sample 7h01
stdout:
7h00
